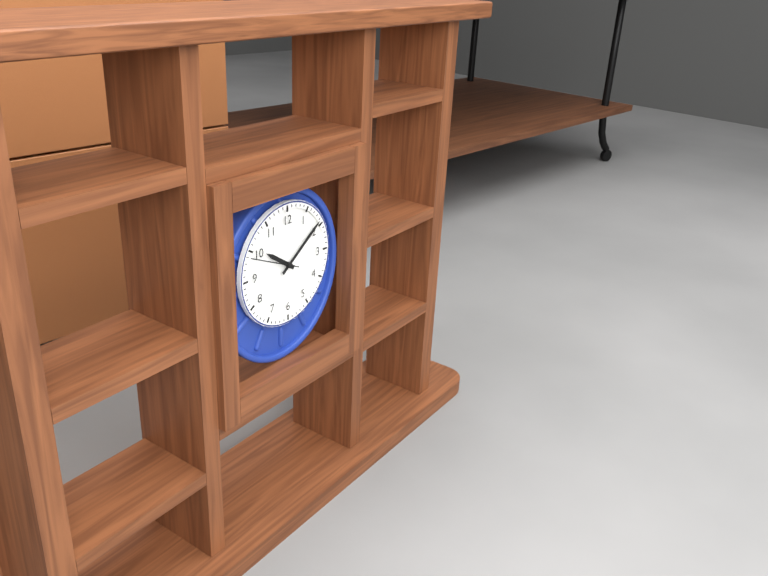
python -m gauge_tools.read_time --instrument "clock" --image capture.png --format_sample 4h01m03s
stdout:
10h09m49s
